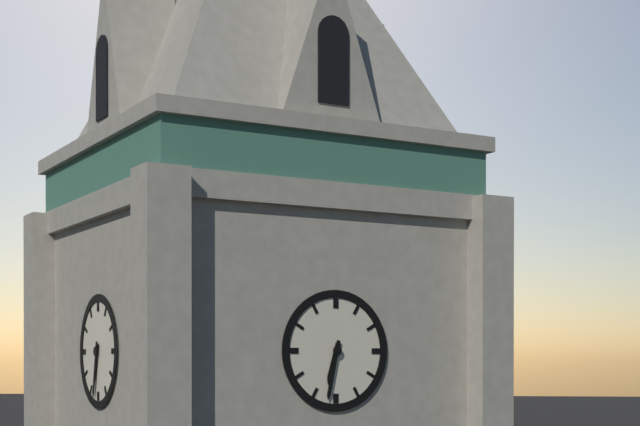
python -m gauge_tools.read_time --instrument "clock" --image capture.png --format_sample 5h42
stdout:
6h32
